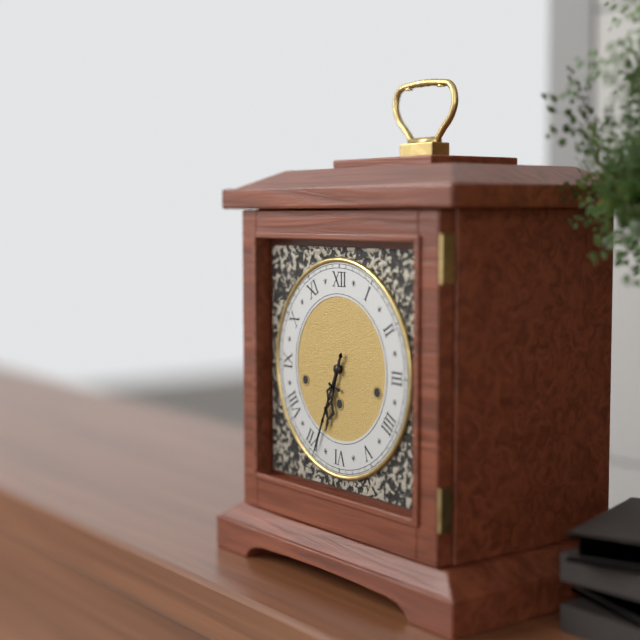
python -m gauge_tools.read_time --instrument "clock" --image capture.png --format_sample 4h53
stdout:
6h34
